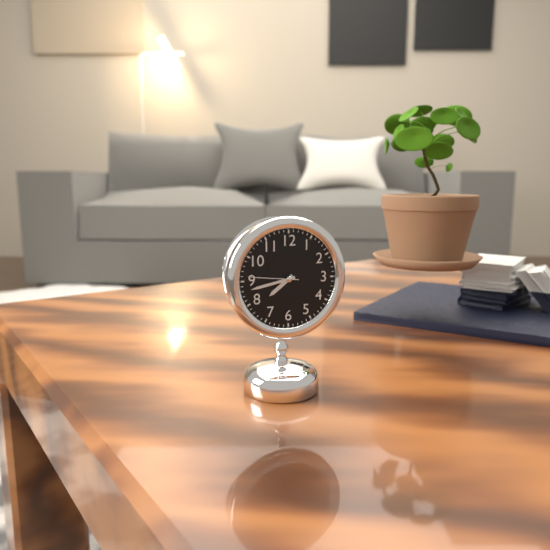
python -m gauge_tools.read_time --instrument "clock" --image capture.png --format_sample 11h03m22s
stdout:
7h43m46s
